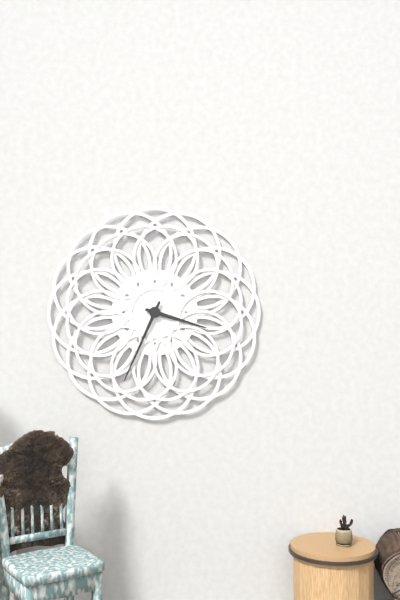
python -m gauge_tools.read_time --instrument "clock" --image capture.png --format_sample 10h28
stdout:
3h34
